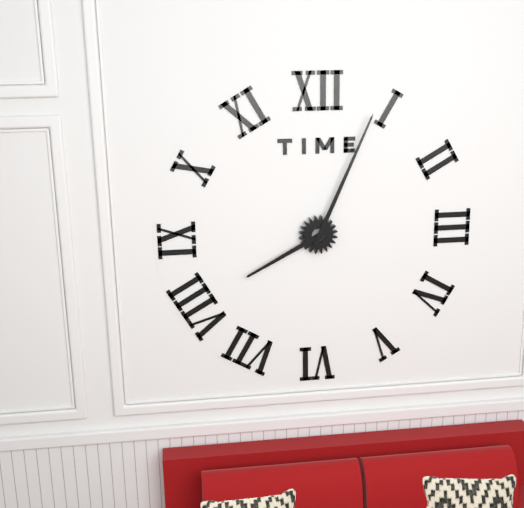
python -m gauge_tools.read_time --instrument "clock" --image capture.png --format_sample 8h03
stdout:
8h04
